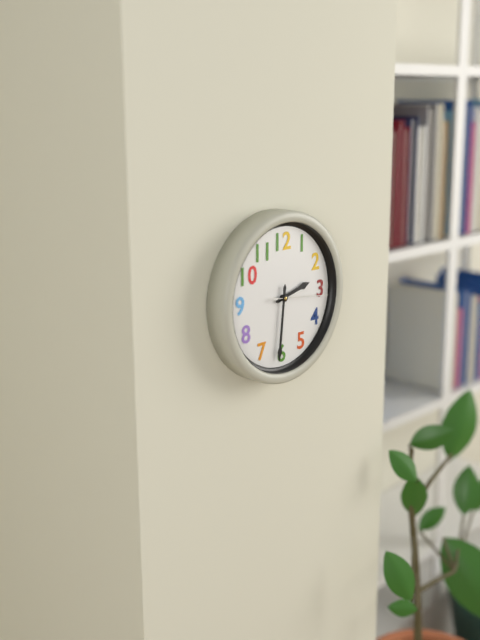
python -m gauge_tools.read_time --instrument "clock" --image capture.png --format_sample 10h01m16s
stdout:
2h31m16s
